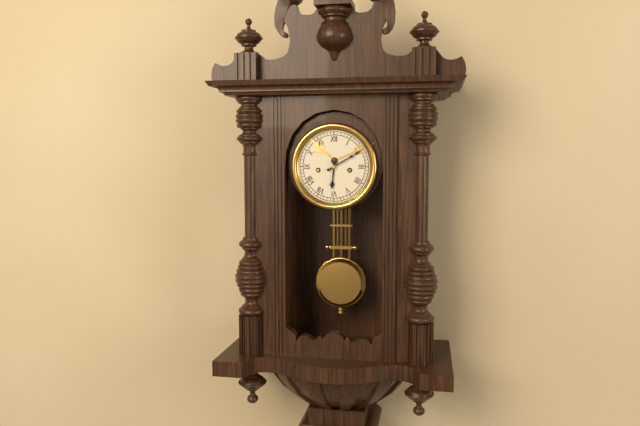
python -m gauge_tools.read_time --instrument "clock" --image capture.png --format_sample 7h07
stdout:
6h10
